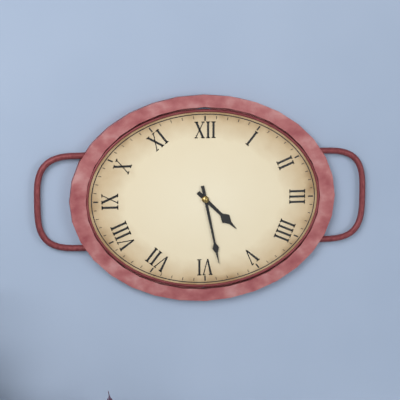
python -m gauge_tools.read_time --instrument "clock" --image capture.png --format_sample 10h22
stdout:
4h28
